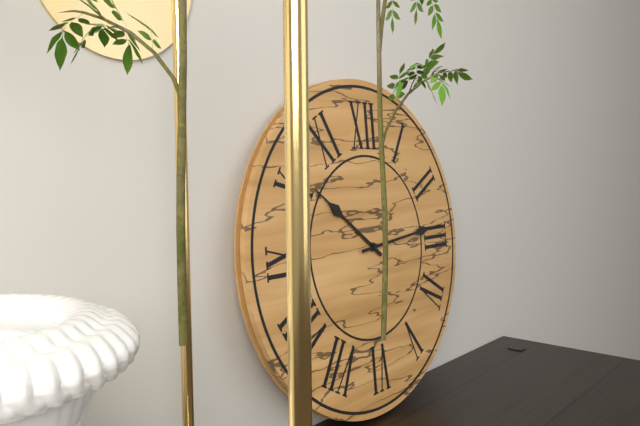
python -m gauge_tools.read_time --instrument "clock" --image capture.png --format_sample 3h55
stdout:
10h14
